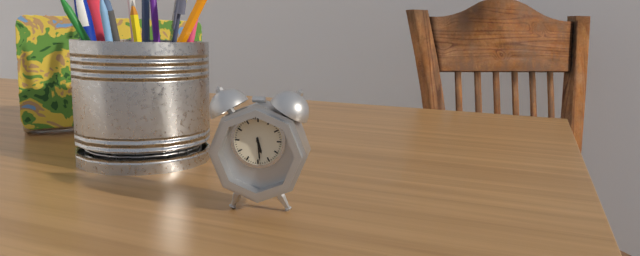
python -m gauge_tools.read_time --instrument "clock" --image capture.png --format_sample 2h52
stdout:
5h29
